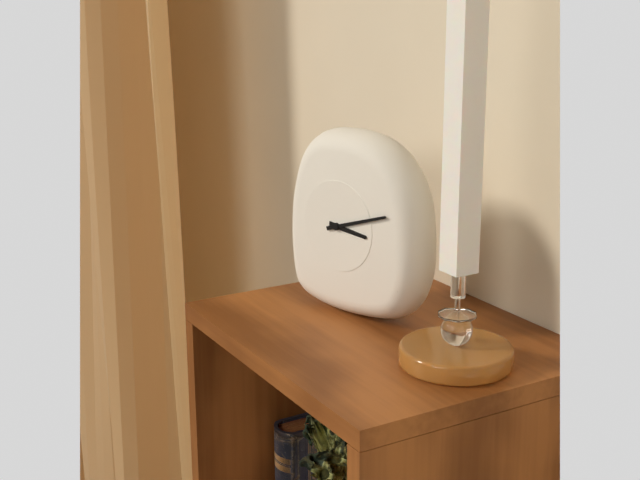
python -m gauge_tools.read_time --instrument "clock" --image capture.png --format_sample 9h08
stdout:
3h12
